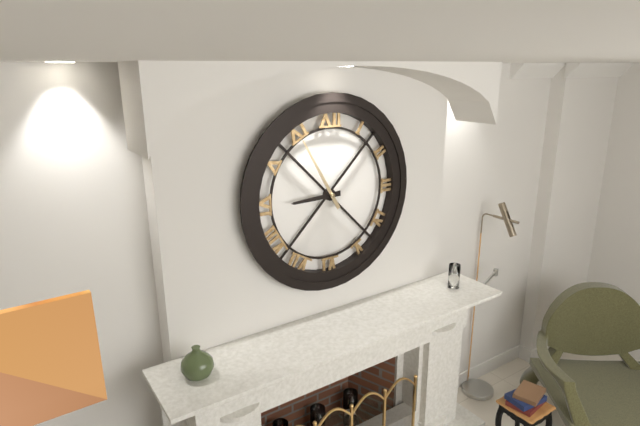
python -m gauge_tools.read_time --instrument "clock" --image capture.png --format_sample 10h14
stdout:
8h55
